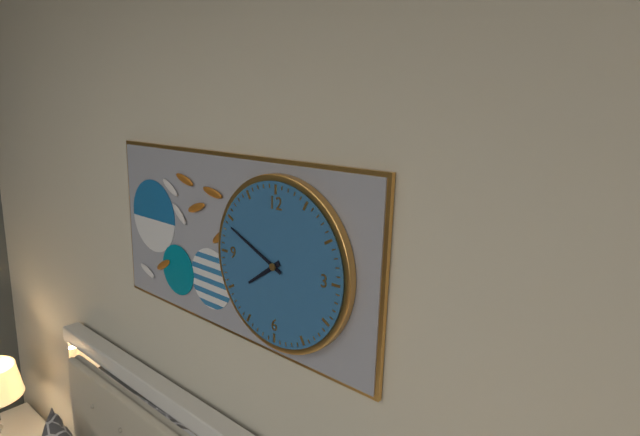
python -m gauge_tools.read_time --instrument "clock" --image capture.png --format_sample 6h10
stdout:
7h49
